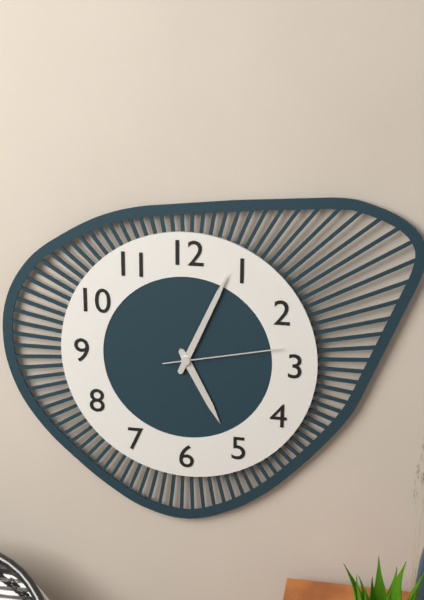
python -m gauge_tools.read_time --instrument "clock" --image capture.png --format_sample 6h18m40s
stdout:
5h04m13s
